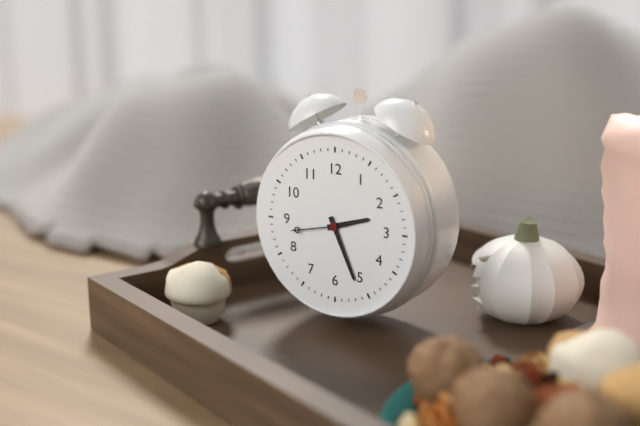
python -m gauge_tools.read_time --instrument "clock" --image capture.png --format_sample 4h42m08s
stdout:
2h26m43s
